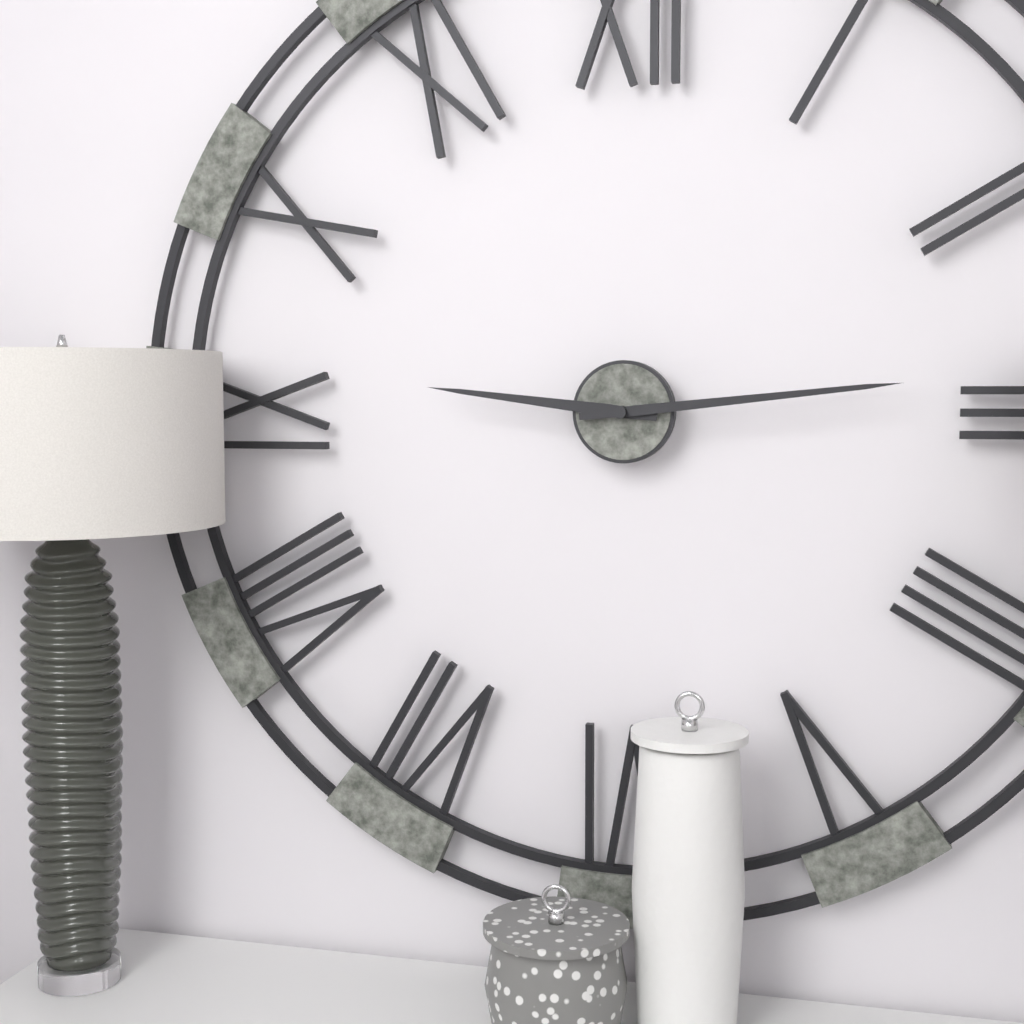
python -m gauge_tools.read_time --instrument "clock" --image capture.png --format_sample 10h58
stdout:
9h14
